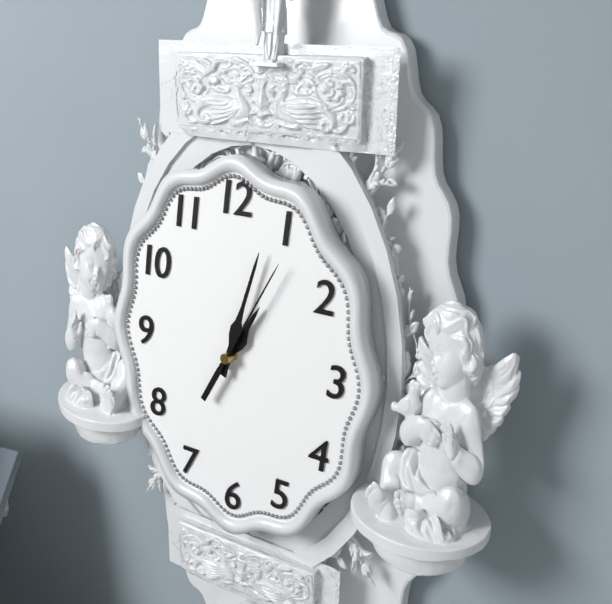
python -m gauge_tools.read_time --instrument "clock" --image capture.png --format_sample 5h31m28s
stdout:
1h03m05s
